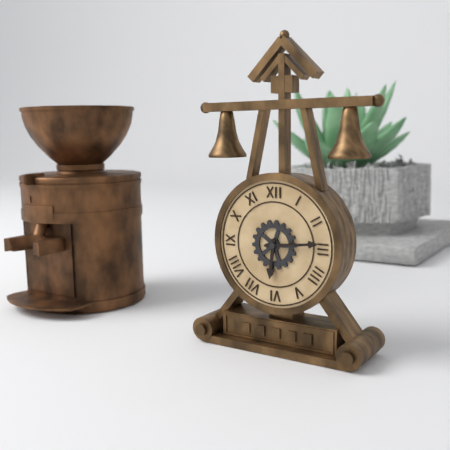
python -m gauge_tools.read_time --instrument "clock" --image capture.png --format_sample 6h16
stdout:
6h14
